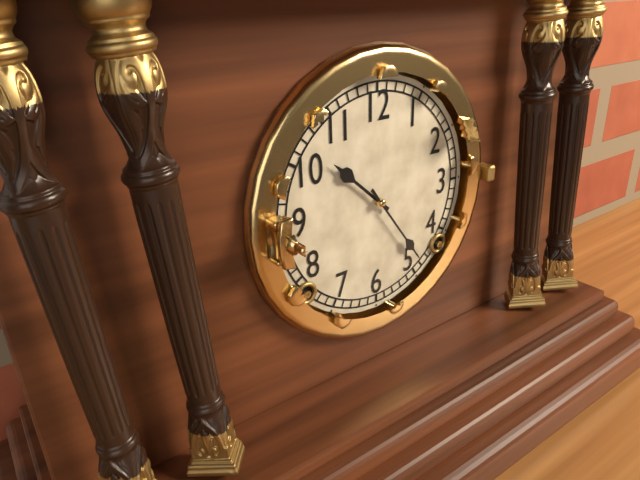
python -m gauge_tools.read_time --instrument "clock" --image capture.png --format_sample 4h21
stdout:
10h24
